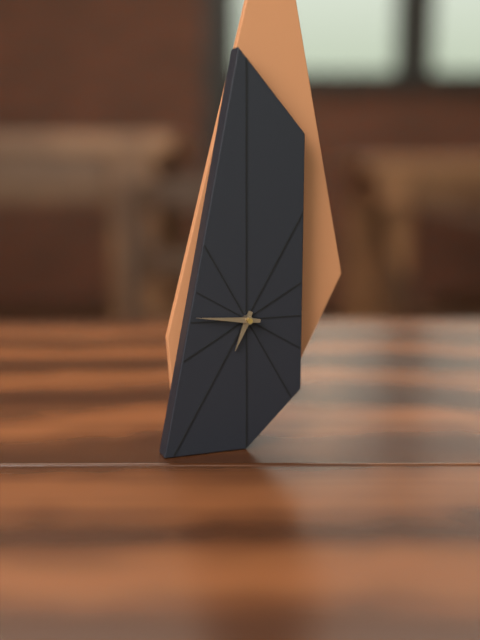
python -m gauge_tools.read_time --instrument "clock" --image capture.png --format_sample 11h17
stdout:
6h46
